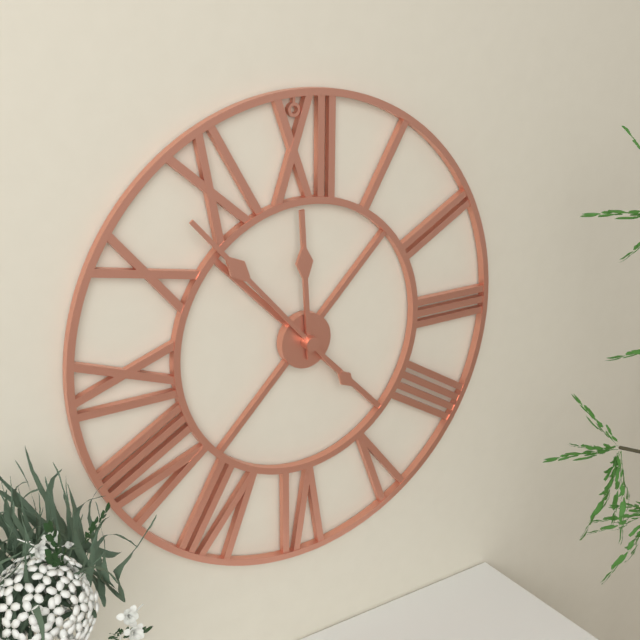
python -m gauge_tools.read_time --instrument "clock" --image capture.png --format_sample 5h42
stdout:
11h53
